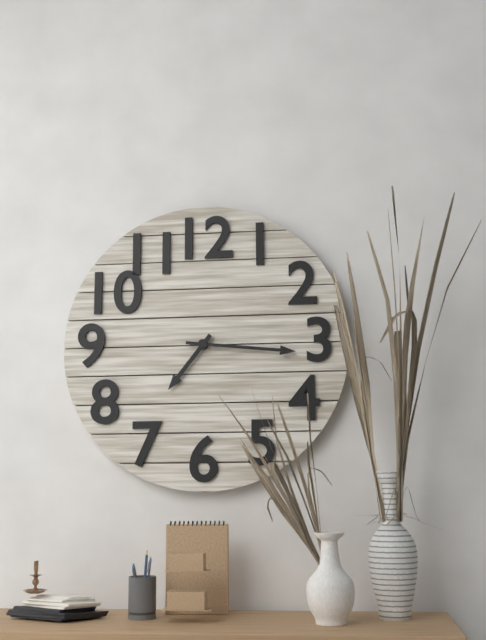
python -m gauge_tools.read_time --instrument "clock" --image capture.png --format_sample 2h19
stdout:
7h16
